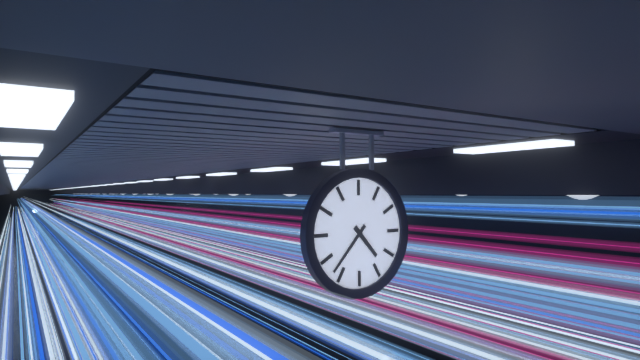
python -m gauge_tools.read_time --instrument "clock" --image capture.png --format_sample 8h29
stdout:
4h37
